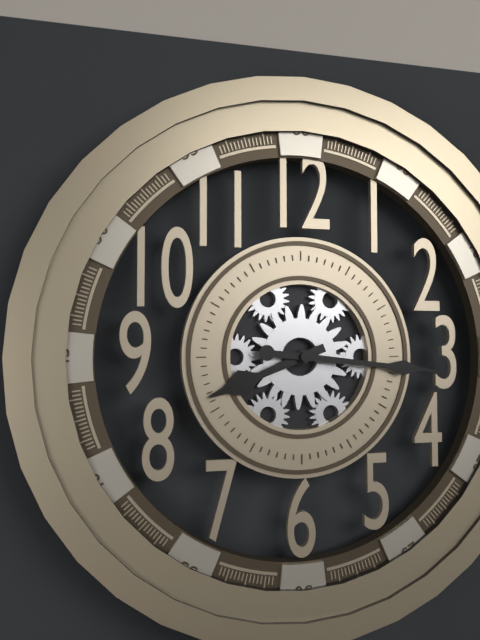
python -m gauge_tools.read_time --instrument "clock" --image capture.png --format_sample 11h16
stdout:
8h16
